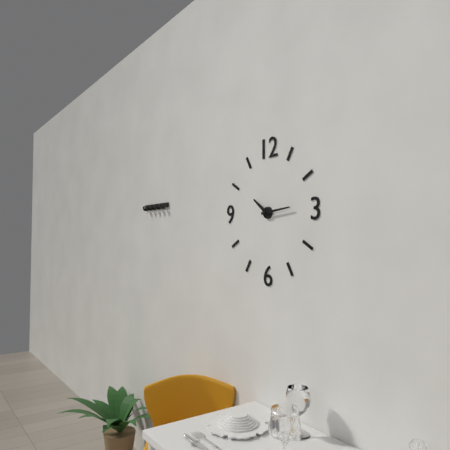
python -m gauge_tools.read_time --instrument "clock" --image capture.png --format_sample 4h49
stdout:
10h14
